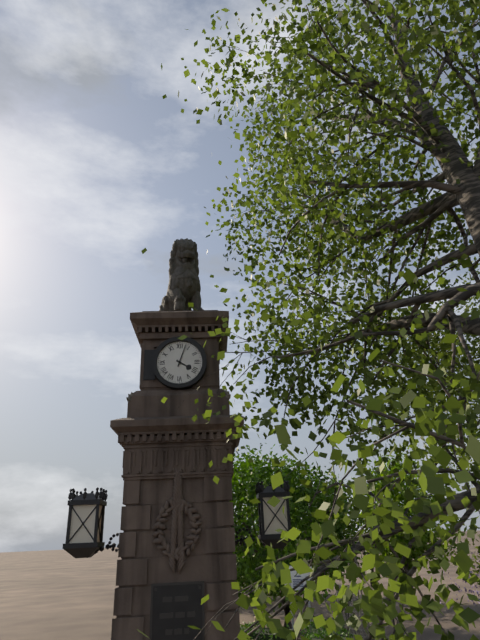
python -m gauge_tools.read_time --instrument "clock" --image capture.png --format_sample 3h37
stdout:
4h03
